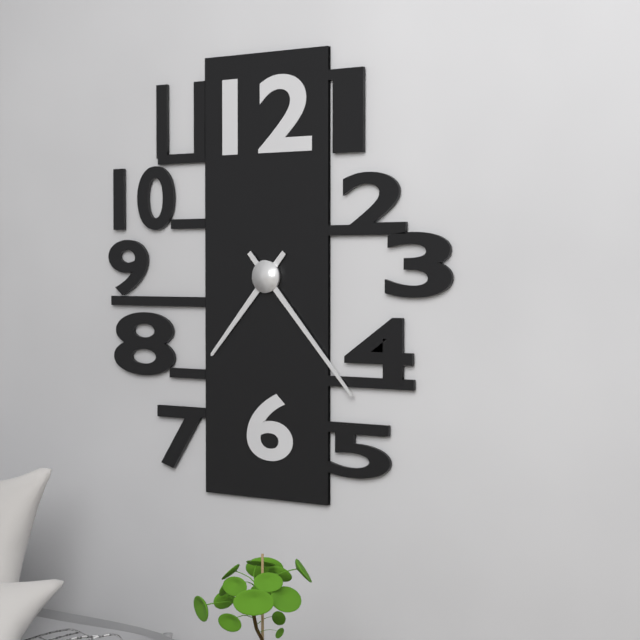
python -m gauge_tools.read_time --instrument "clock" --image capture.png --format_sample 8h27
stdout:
7h23
